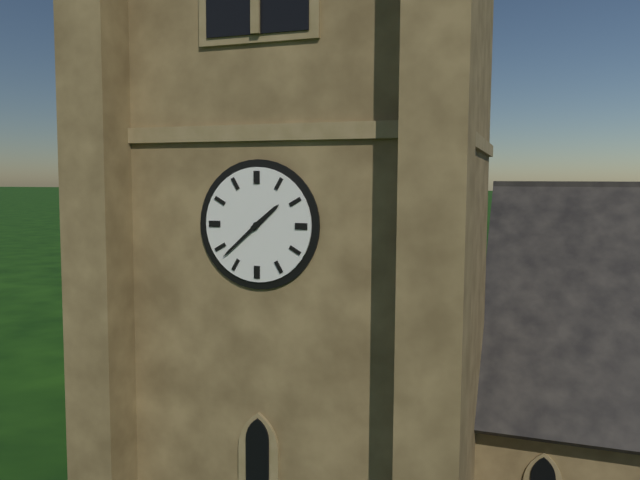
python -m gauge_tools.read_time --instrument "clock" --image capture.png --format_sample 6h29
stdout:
1h38
